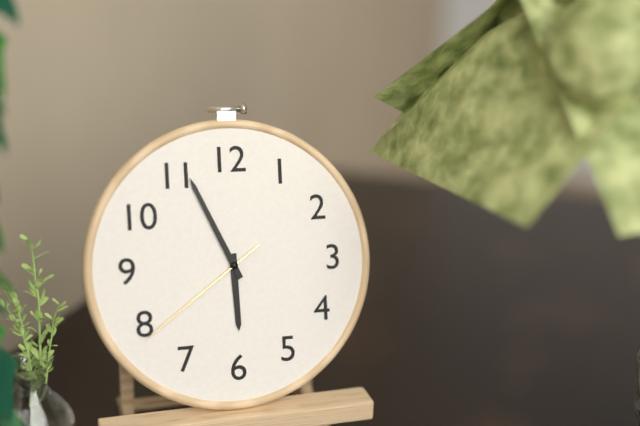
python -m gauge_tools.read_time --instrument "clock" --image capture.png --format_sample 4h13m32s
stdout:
5h56m39s
